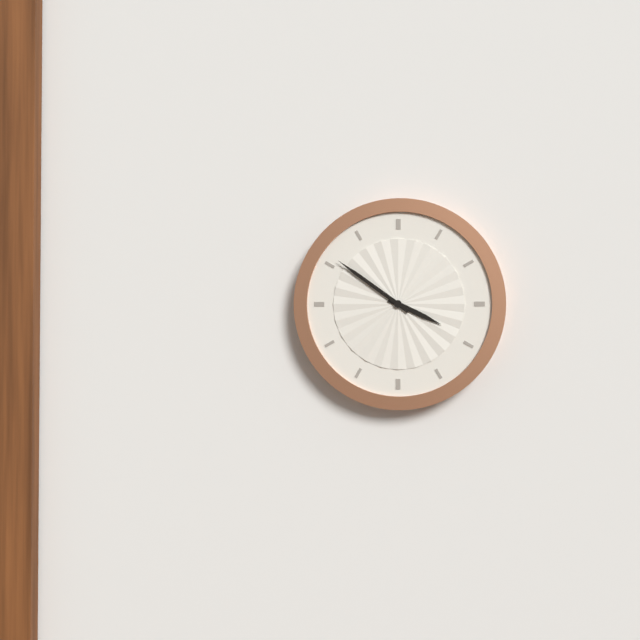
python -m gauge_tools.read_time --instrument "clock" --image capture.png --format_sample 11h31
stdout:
3h51
